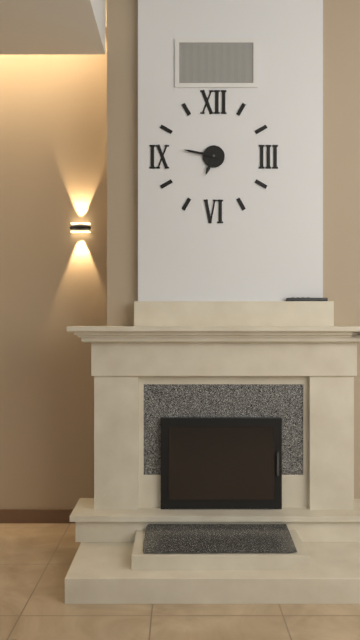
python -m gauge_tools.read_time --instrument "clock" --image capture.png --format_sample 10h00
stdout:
6h47
